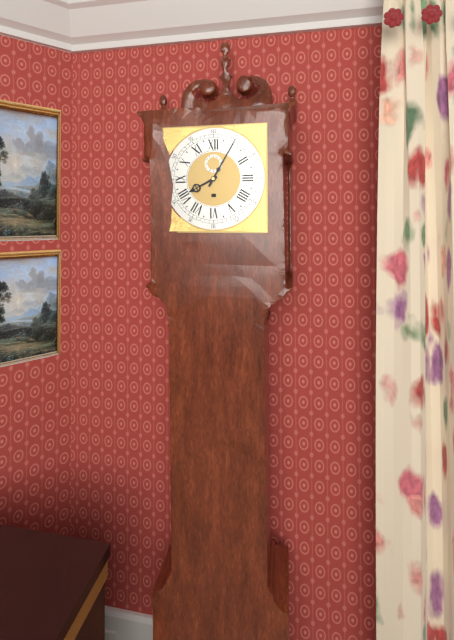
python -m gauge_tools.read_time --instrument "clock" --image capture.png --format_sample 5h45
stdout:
8h05
